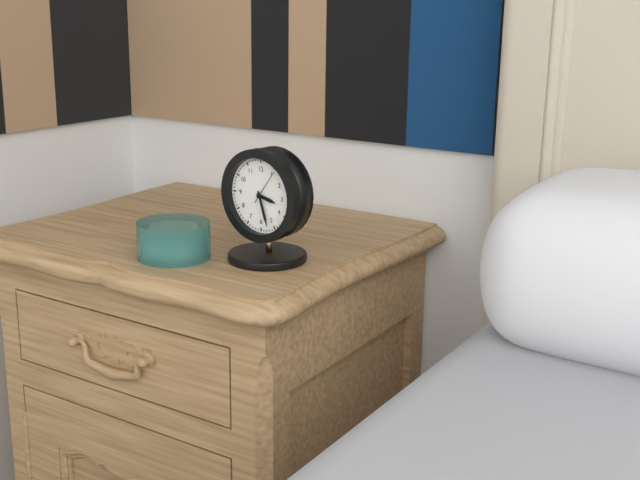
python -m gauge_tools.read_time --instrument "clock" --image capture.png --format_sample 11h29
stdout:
3h27
